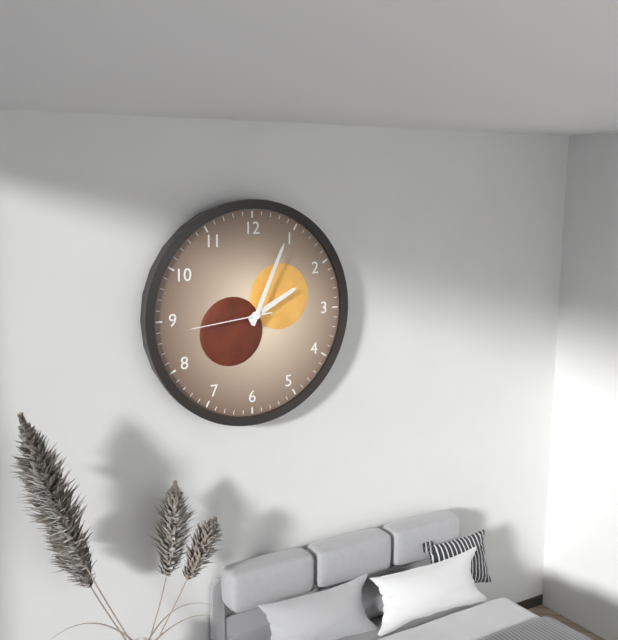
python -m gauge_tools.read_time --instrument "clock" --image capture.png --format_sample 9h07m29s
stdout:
2h04m44s
